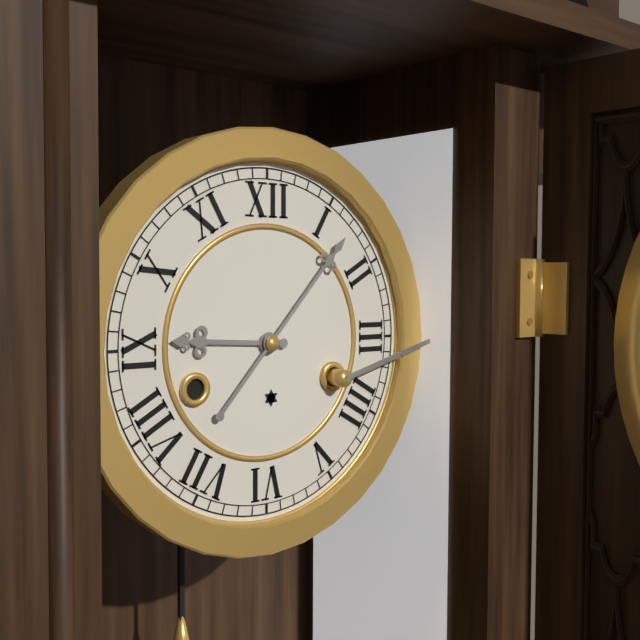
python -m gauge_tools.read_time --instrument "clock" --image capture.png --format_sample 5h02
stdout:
9h07
